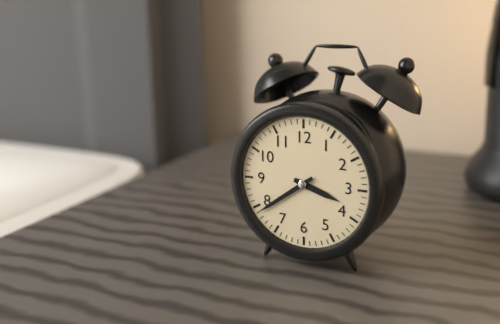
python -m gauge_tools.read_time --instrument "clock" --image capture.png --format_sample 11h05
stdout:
3h39
